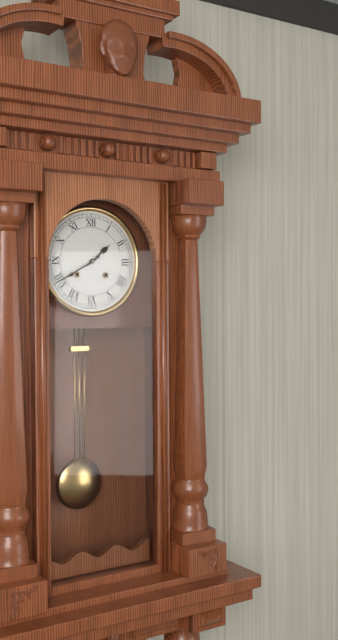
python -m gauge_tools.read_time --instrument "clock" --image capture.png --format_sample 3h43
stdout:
1h40
